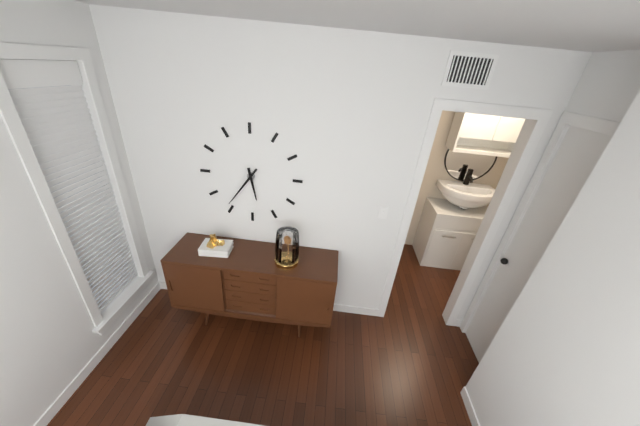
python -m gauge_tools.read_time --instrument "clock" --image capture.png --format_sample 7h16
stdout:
5h36
